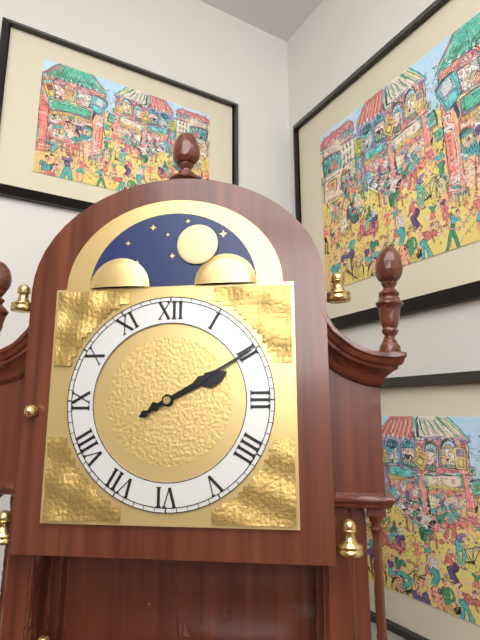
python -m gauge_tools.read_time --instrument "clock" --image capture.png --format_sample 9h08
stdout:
2h10
